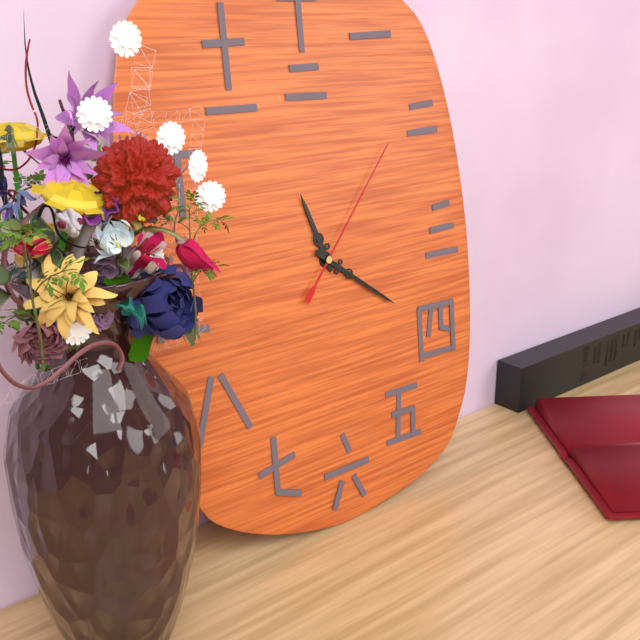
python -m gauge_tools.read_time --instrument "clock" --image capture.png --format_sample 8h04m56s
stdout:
11h21m07s
